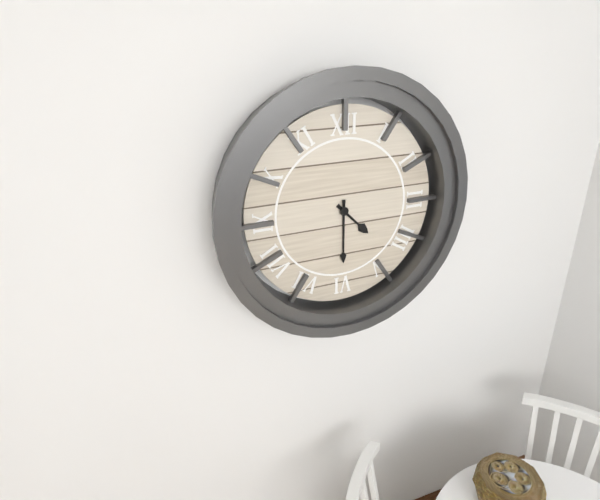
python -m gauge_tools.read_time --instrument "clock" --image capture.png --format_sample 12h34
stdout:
4h30
